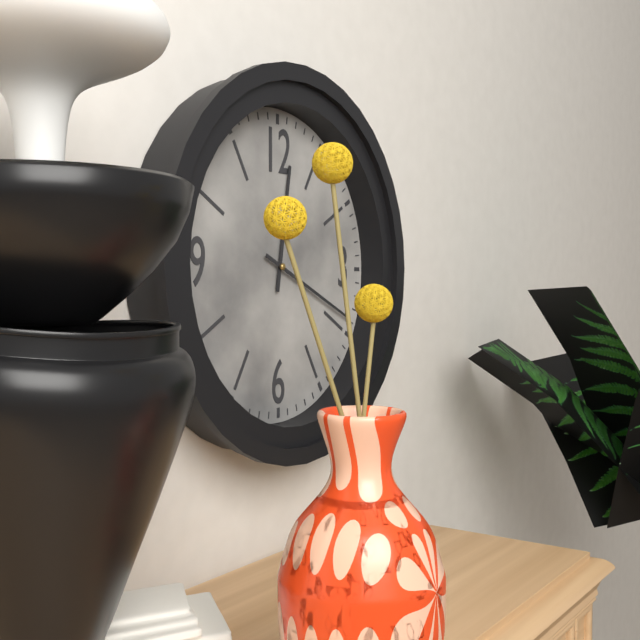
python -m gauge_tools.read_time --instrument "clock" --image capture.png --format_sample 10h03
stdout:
12h19
